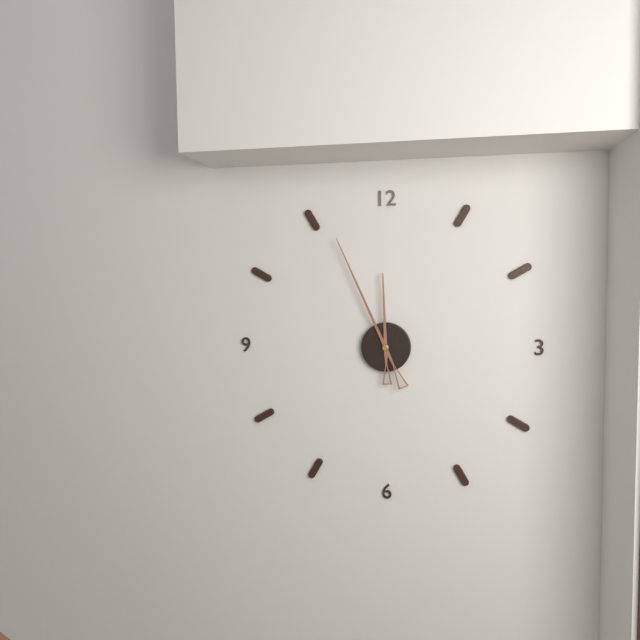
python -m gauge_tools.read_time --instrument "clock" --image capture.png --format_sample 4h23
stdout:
11h56
